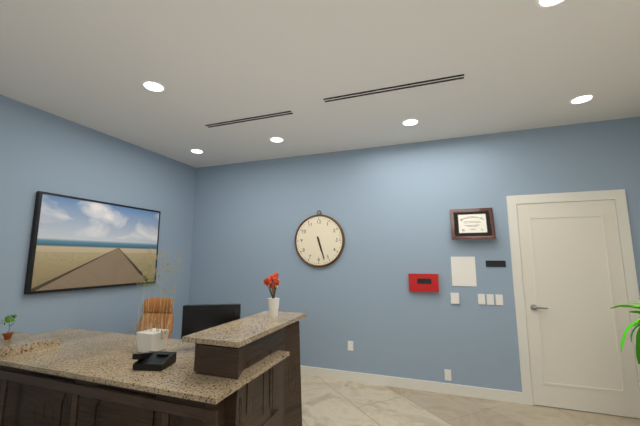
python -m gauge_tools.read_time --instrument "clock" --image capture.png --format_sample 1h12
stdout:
5h27
